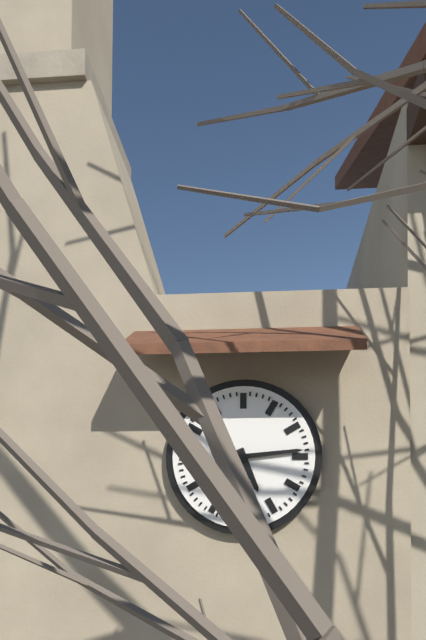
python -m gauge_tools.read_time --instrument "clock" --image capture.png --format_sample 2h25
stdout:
5h14
